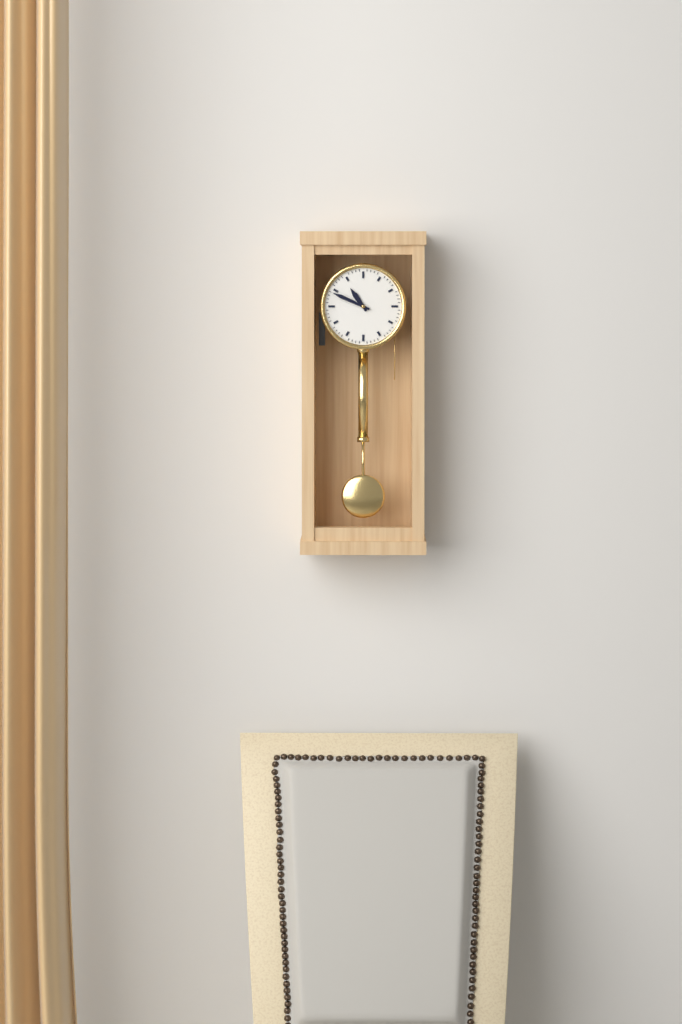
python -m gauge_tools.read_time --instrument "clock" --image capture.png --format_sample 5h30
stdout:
10h49
